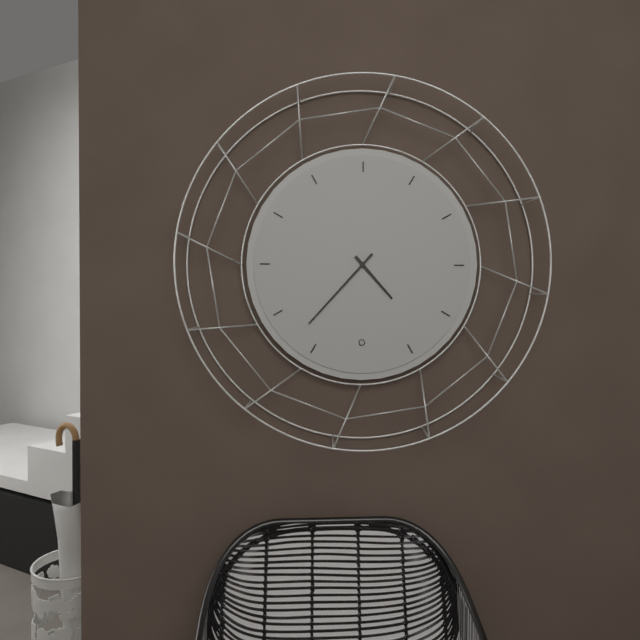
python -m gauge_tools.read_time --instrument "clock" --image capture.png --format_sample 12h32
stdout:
4h37
